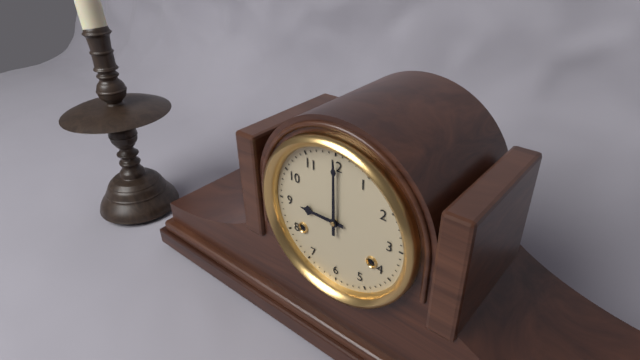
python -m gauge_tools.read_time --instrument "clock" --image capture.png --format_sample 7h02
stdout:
9h00
